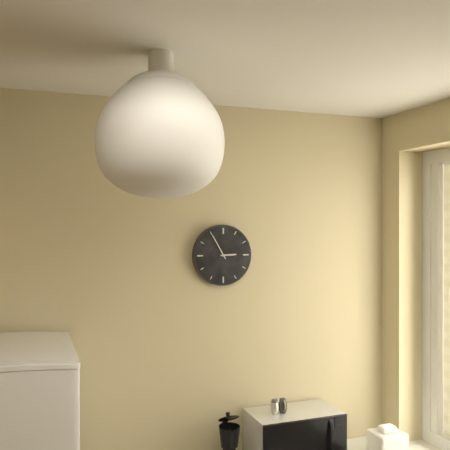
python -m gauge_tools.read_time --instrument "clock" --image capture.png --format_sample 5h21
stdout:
2h55
